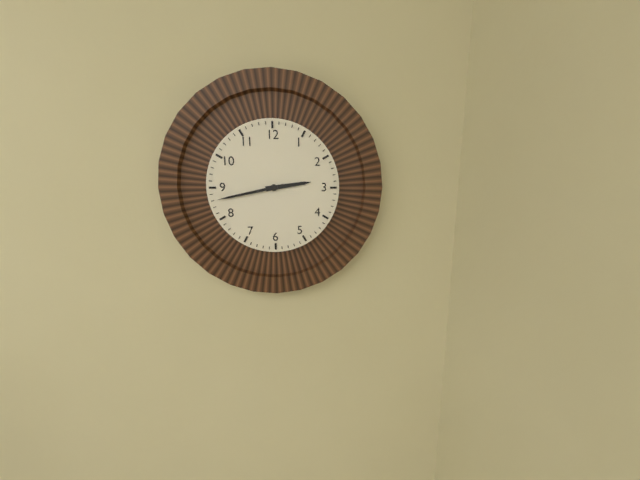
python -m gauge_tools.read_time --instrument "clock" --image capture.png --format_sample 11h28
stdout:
2h43
